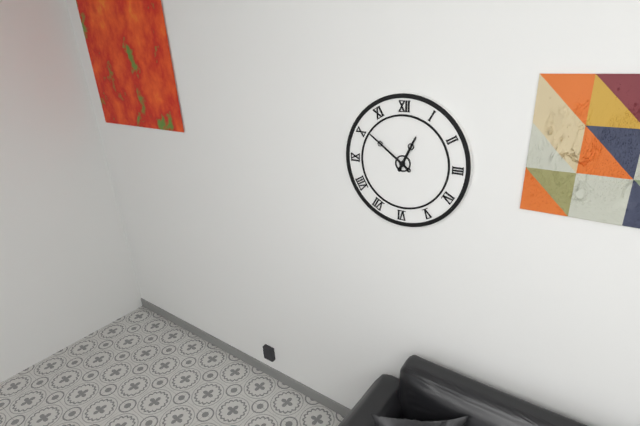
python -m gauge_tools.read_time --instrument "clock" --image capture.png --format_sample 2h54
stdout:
12h51
